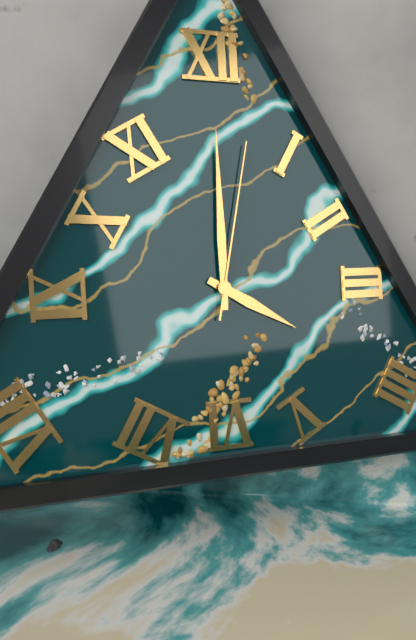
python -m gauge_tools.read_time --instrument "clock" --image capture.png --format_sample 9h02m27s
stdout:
4h00m02s
